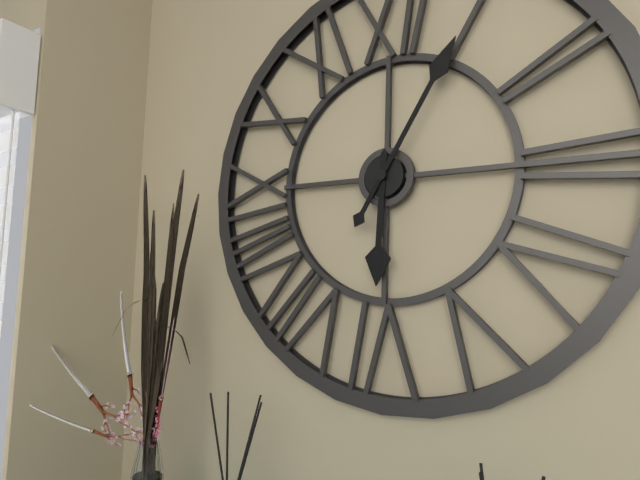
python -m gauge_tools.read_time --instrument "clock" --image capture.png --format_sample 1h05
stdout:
6h05
